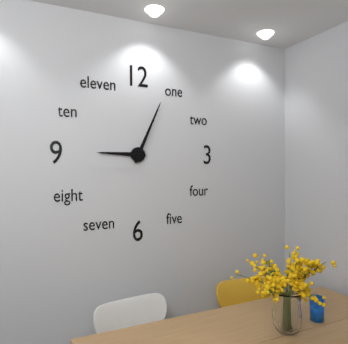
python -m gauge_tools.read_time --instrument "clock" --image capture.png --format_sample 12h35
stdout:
9h04
